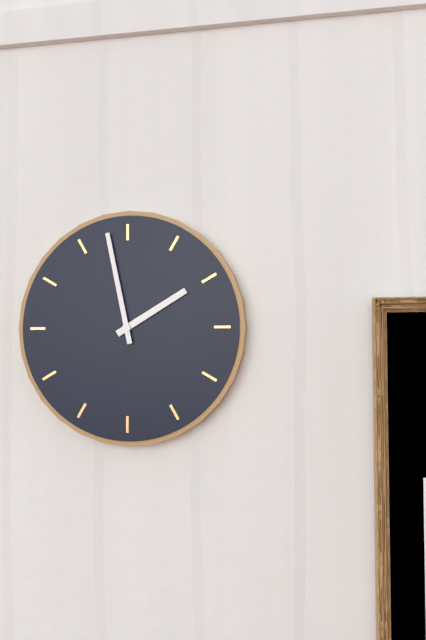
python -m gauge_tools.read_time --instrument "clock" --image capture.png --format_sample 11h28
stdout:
1h58
